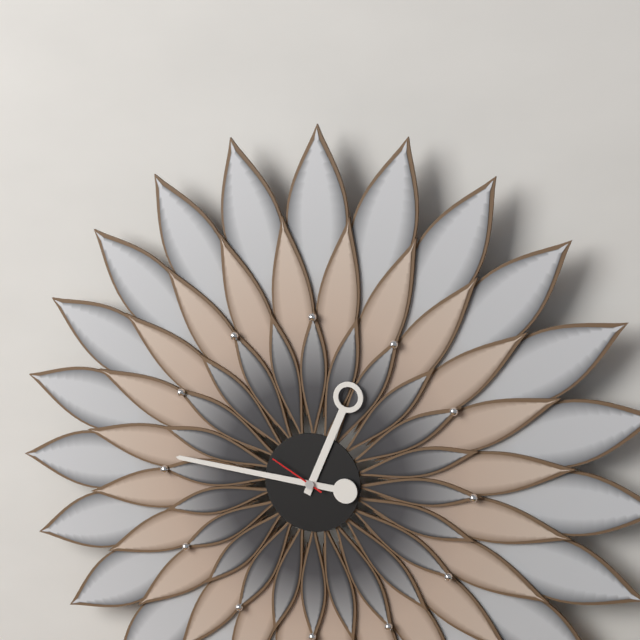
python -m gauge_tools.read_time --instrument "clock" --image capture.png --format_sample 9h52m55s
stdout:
12h46m50s
